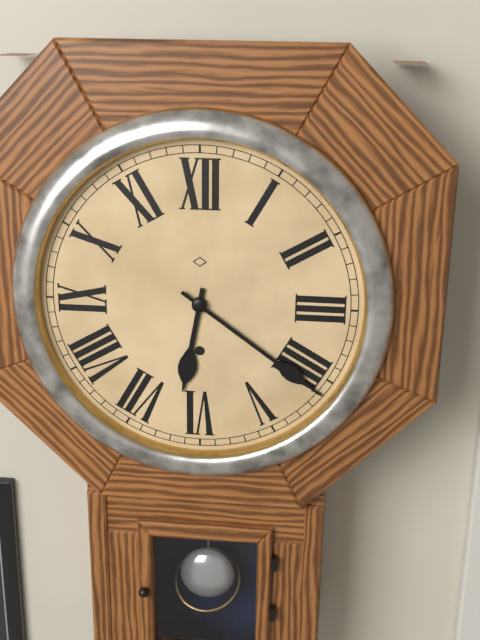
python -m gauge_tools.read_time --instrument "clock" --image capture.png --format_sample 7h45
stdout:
6h21
